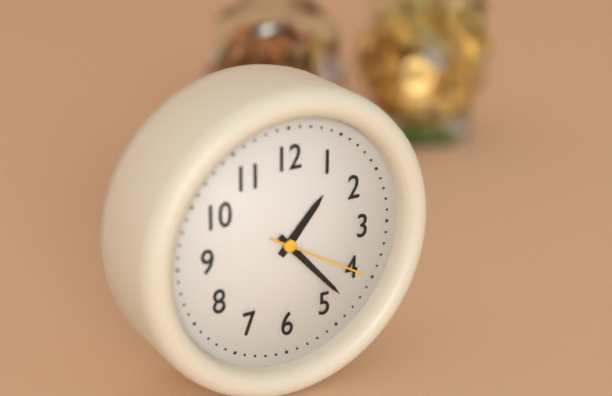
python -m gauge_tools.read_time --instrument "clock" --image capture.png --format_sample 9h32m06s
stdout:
1h23m20s
